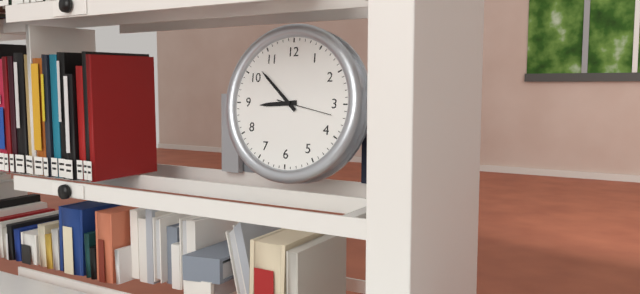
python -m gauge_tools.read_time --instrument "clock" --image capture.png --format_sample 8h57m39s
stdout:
8h52m17s
